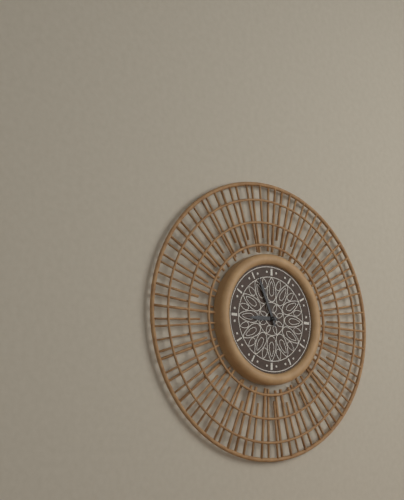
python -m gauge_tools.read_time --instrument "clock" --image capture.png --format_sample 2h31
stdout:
8h56
